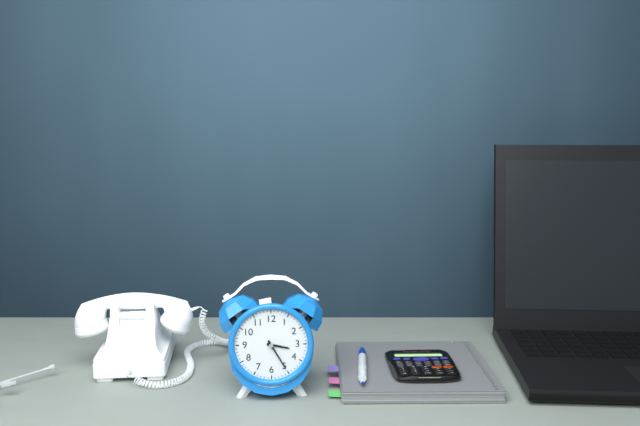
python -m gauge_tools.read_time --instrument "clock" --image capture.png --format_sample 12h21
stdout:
3h25
